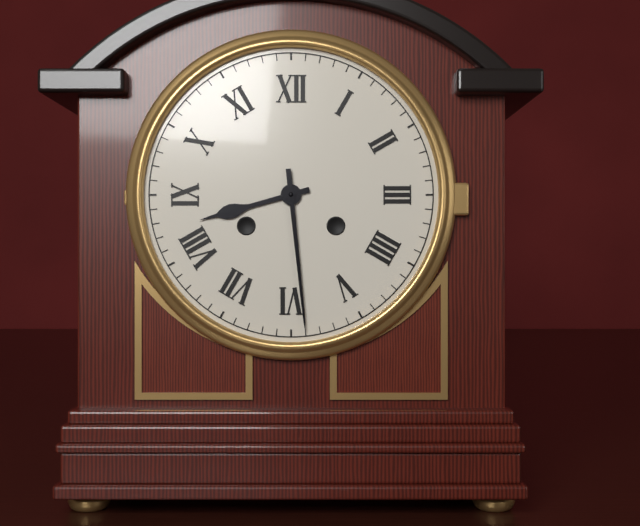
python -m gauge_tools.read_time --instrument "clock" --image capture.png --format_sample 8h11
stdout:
8h29
